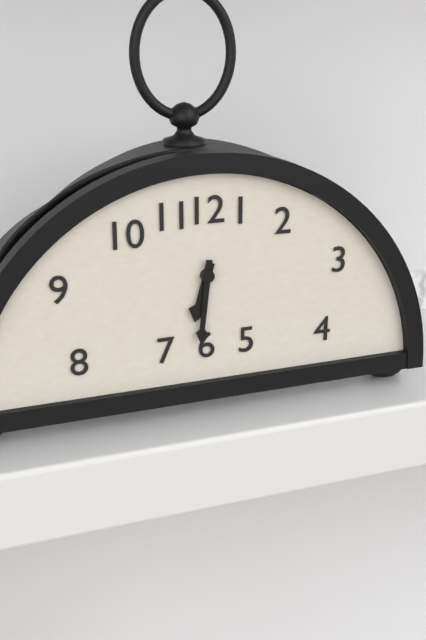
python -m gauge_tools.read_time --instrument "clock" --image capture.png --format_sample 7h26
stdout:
6h31
